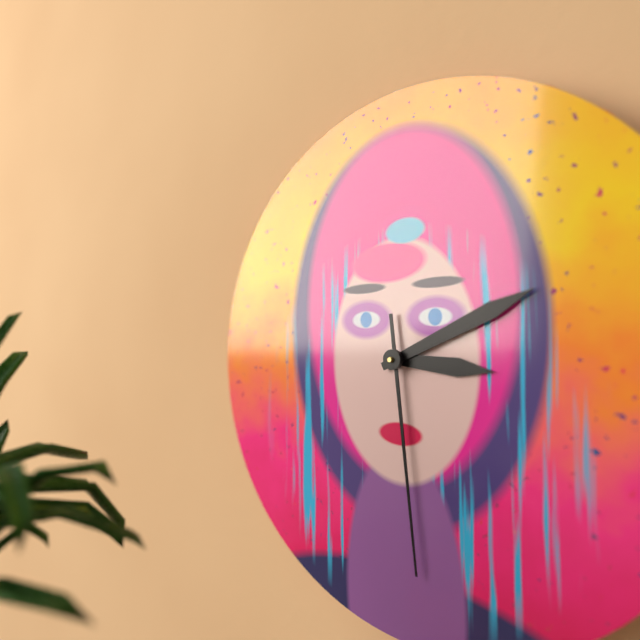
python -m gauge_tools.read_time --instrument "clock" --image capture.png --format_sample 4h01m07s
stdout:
3h11m29s
